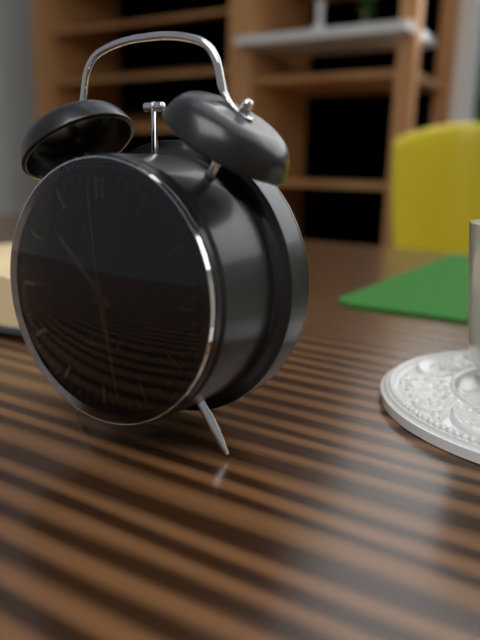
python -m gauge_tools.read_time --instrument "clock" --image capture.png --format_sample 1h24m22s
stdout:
10h28m59s
